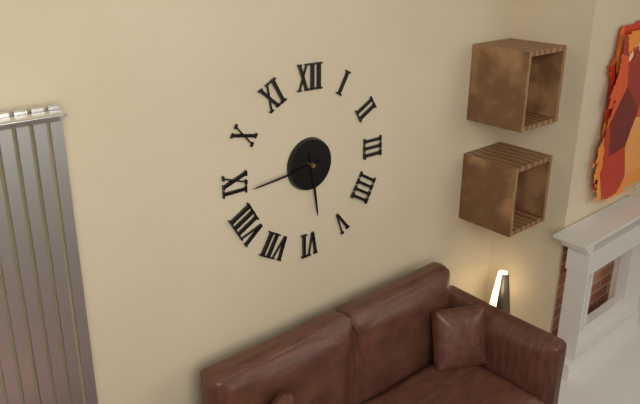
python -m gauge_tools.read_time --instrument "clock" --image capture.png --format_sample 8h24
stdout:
5h44
